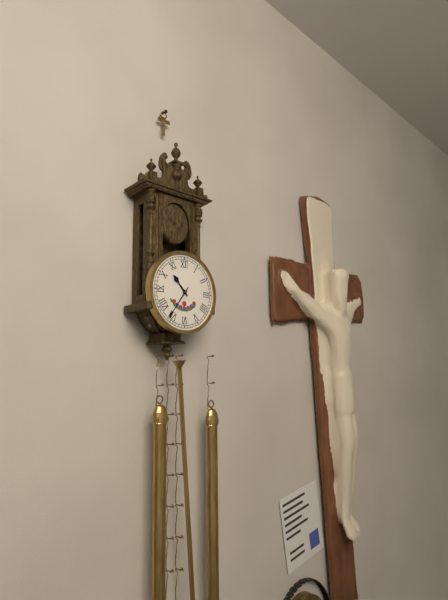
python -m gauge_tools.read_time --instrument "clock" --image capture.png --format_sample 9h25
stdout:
10h36
